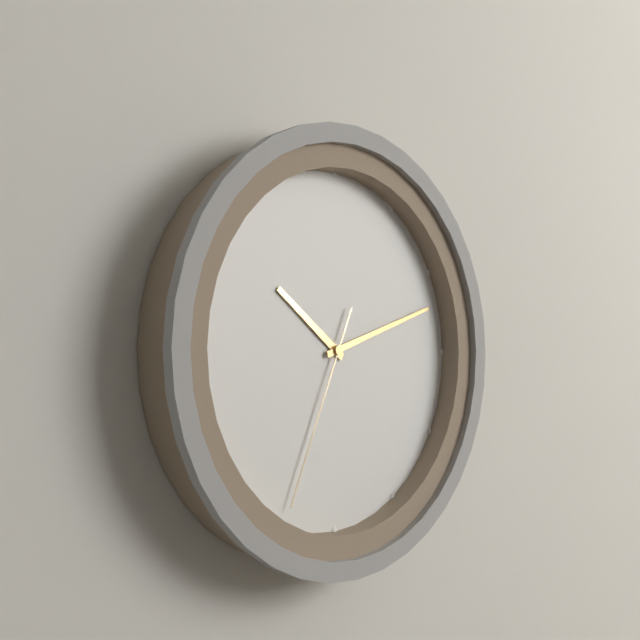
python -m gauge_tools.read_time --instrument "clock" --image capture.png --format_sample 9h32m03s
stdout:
10h12m34s
